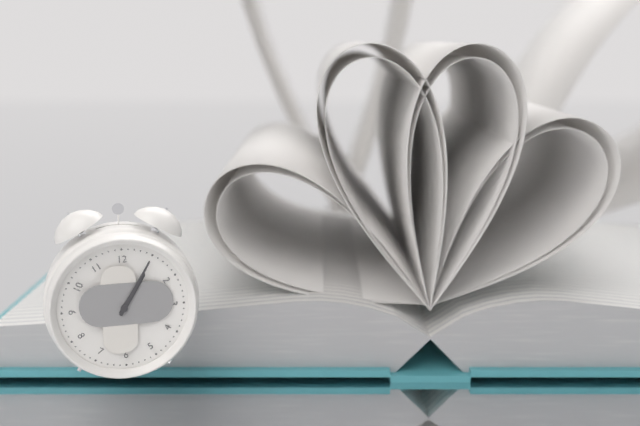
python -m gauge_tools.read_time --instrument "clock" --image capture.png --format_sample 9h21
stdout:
1h05
